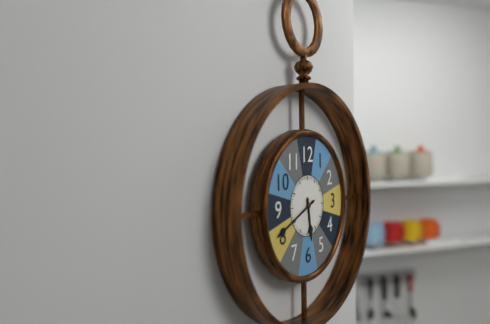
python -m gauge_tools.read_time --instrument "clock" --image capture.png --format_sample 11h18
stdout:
5h41
